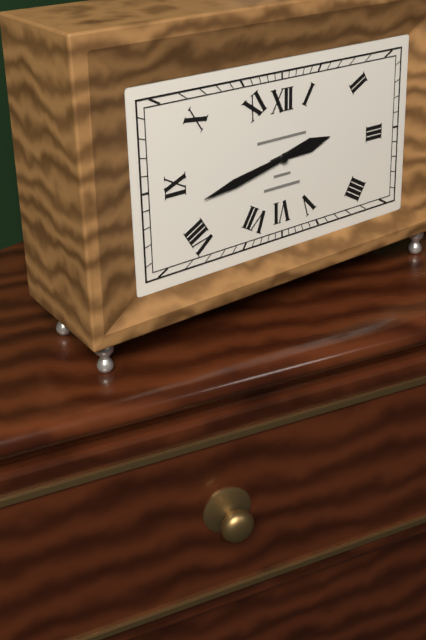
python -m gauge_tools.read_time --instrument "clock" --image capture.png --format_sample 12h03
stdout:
2h43
